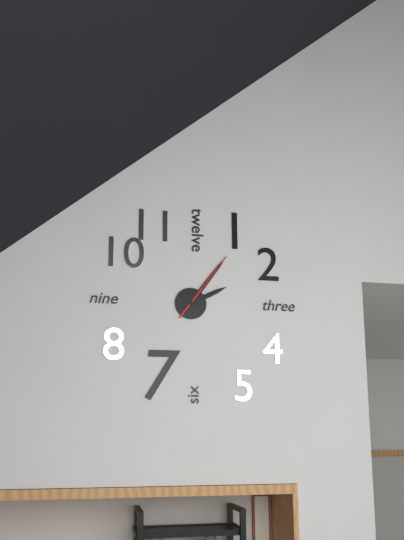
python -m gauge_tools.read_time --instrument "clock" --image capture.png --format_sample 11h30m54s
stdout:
2h06m06s
